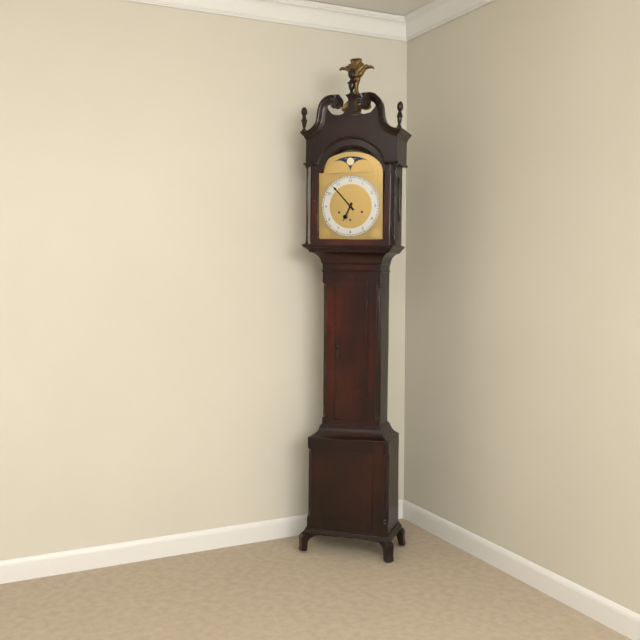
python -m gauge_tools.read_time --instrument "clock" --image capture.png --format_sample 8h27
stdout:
6h53
